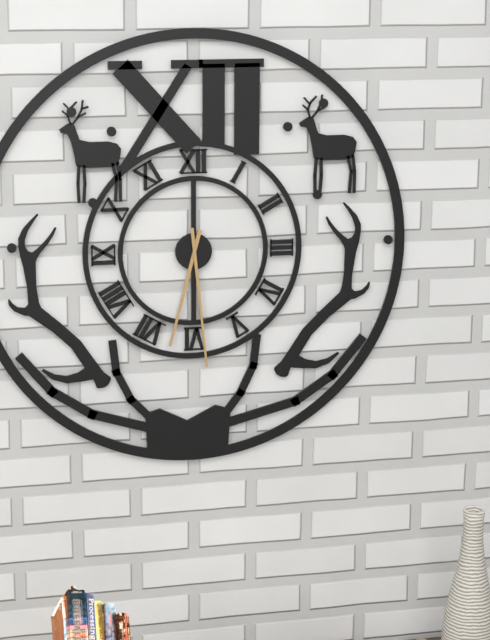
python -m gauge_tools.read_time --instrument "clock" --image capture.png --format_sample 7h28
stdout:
6h29
